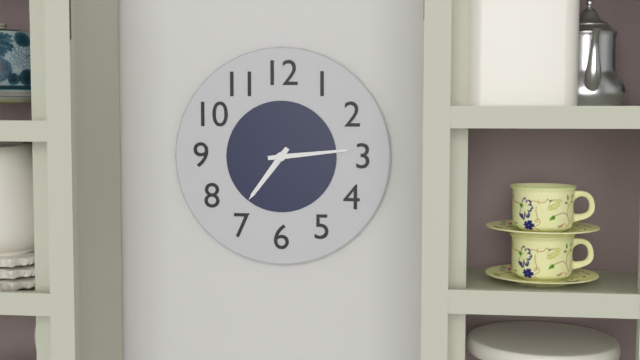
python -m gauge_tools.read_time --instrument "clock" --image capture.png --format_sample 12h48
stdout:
7h14
